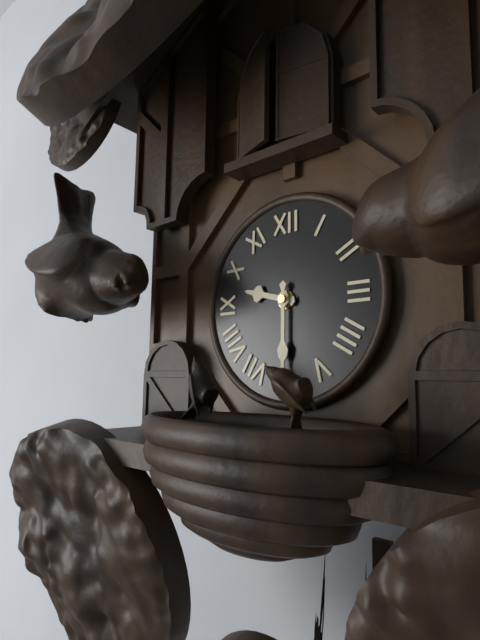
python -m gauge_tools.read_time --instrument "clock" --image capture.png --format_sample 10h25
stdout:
9h30
